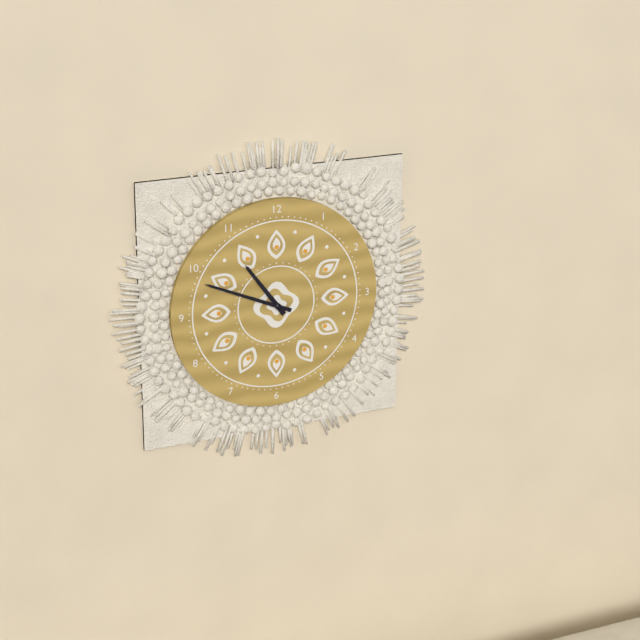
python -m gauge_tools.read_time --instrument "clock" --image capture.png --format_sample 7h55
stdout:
10h49
